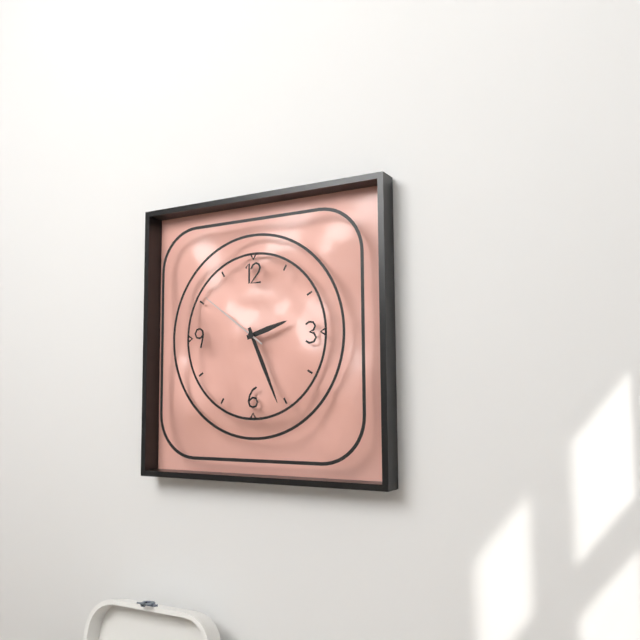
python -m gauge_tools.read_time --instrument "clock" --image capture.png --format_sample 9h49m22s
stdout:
2h26m51s
